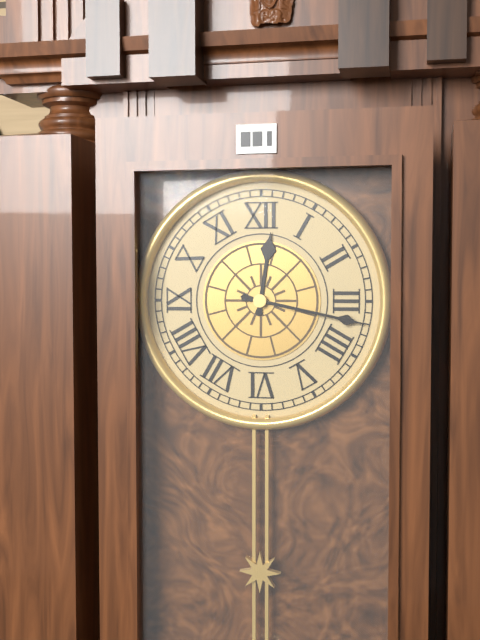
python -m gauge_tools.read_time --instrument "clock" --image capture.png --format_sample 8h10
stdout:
12h17
